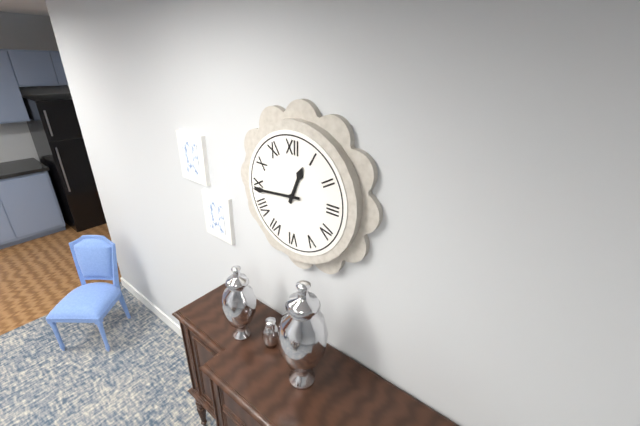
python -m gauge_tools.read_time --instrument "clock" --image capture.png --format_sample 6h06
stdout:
12h44
